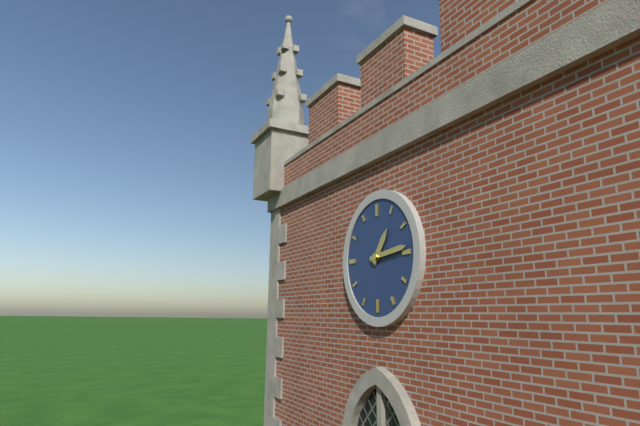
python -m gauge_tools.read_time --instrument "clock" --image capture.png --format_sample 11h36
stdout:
1h14
